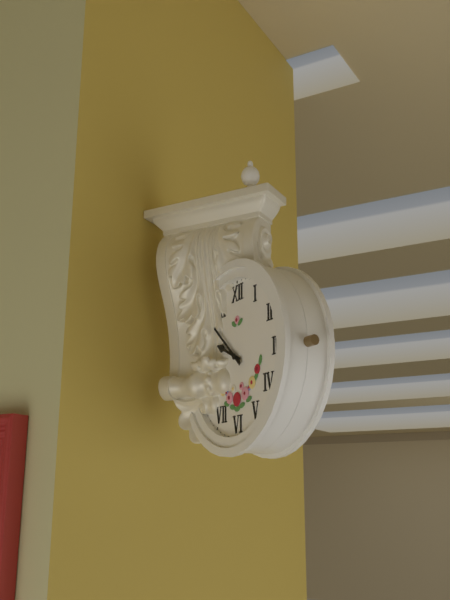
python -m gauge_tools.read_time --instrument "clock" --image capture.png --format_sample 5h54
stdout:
9h52
